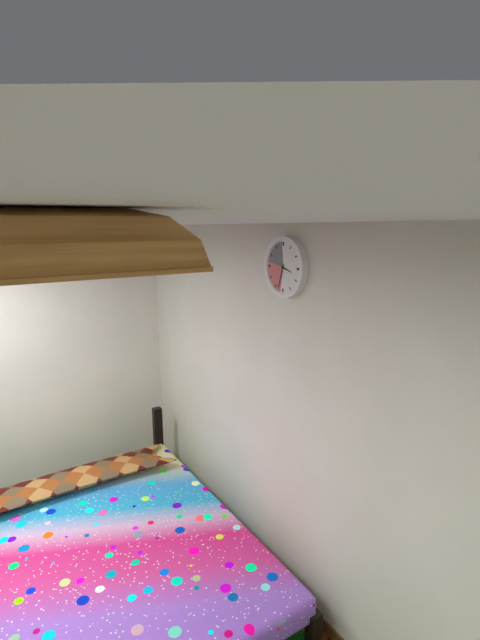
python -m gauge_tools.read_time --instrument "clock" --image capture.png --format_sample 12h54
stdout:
3h33
